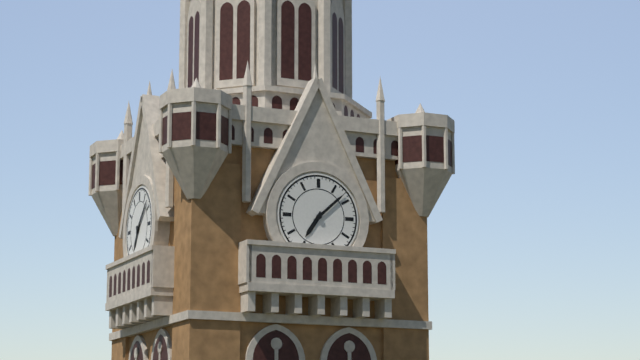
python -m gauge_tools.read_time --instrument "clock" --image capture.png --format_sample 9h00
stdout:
7h08
